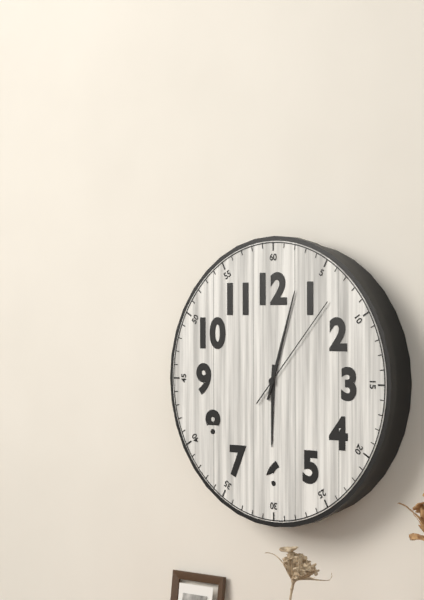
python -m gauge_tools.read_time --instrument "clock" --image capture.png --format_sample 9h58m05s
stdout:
6h03m07s
